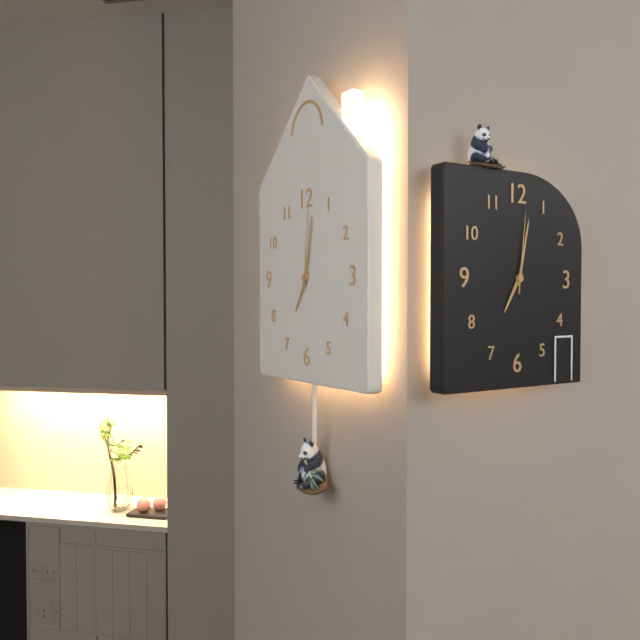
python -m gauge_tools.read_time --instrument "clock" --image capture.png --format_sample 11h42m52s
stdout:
7h02m01s
